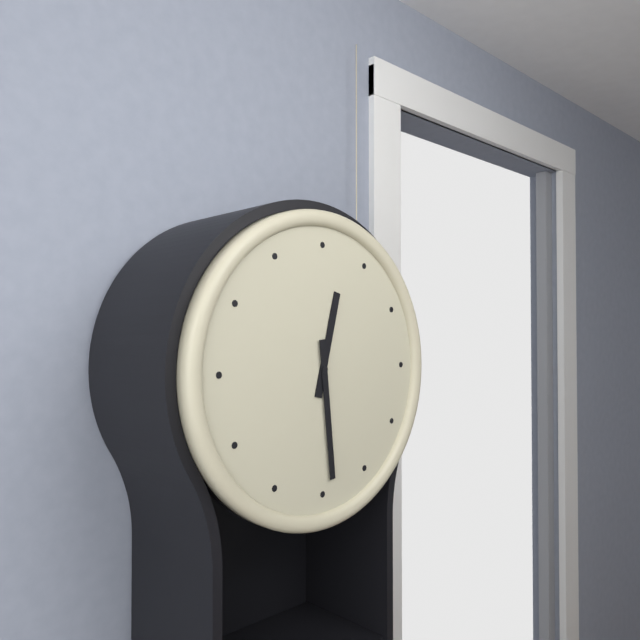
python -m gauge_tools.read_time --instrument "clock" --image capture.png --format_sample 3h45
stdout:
12h29
